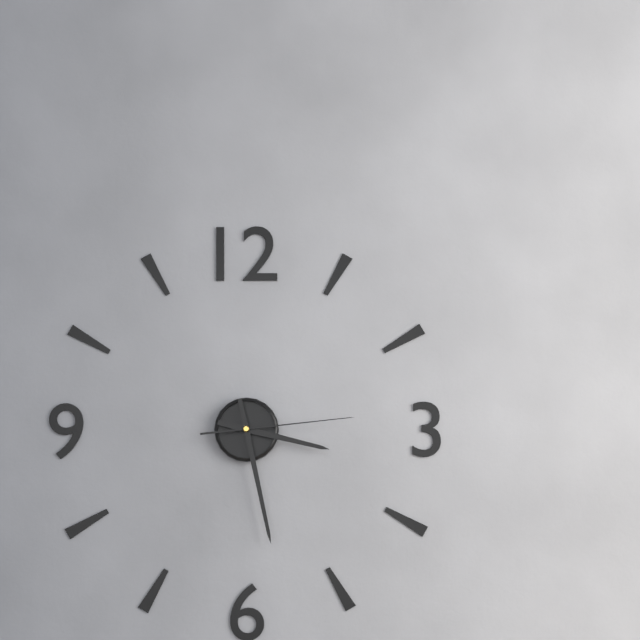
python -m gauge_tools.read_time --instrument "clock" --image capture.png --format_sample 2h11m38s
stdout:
3h28m14s
